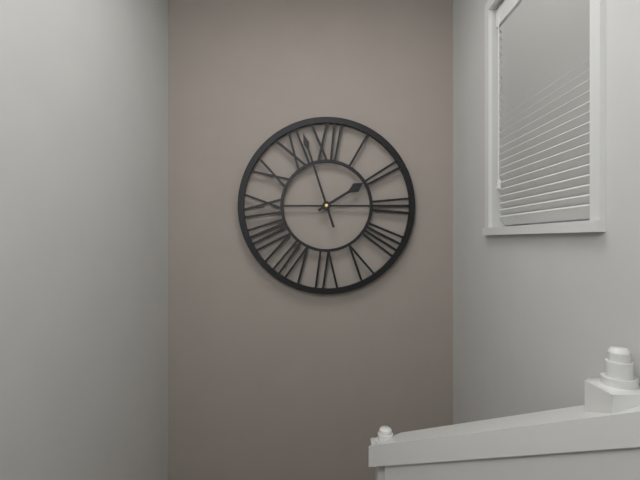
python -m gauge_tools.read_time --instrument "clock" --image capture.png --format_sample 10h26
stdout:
1h57
